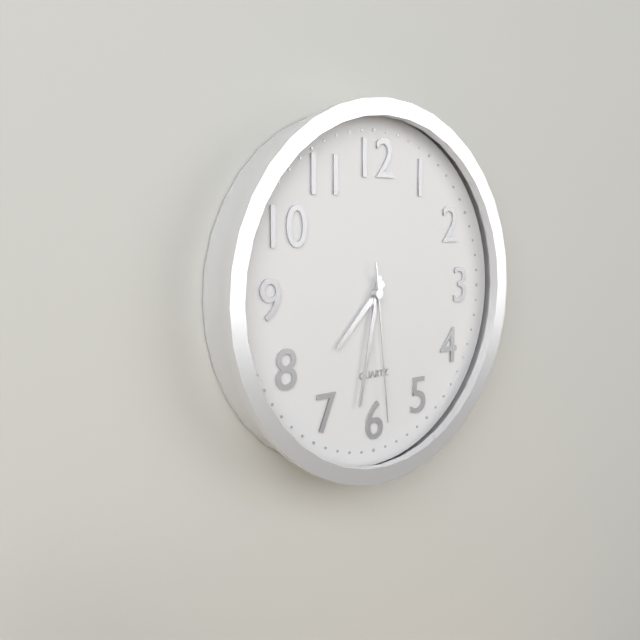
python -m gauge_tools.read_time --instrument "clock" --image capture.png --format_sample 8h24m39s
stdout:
7h32m29s
